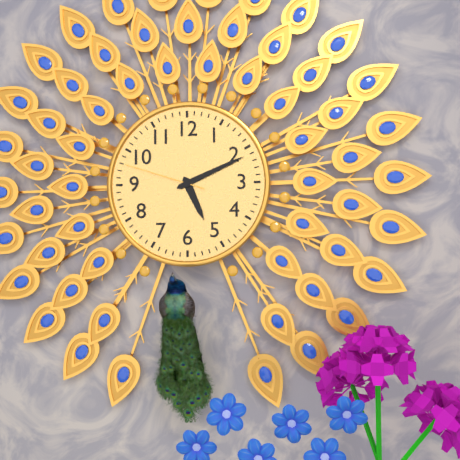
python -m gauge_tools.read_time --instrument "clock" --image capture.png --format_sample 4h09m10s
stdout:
5h11m48s
